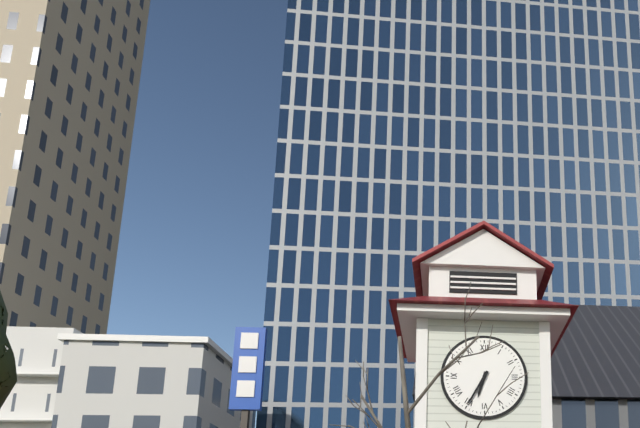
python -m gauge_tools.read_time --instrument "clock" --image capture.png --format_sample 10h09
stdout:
6h35
